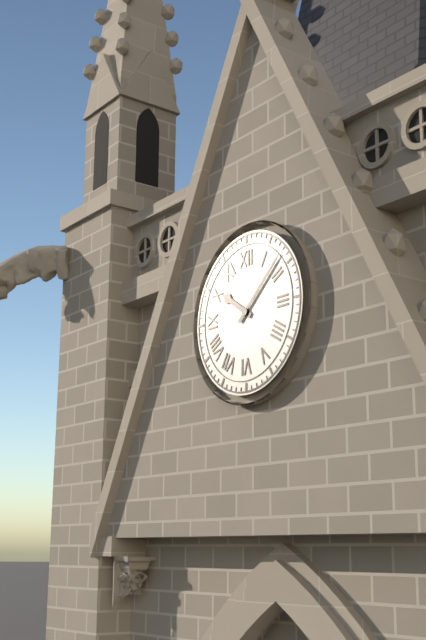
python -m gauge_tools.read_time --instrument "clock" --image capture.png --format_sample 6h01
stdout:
10h08
